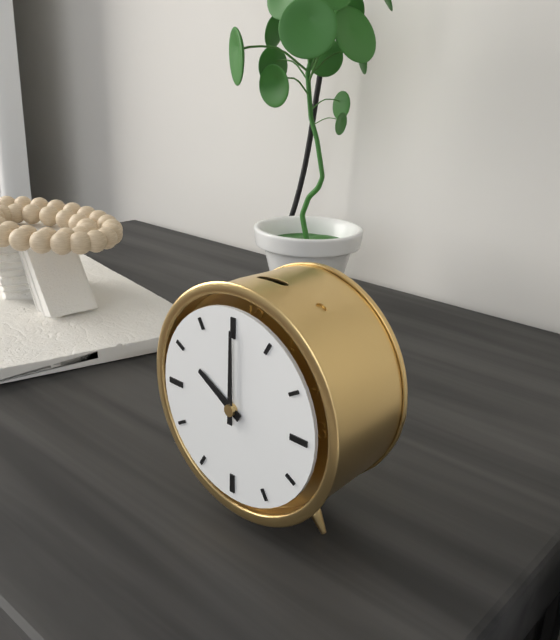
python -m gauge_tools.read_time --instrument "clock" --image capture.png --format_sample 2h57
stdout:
10h00
